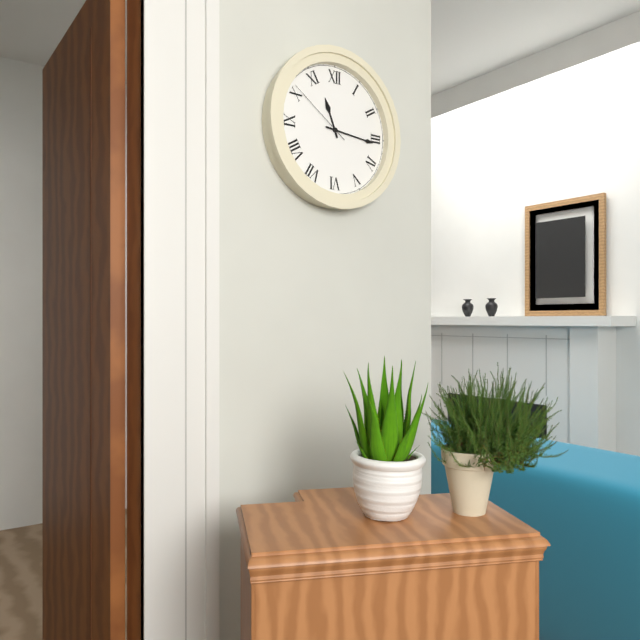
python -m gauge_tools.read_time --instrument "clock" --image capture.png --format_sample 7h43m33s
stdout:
11h16m51s
